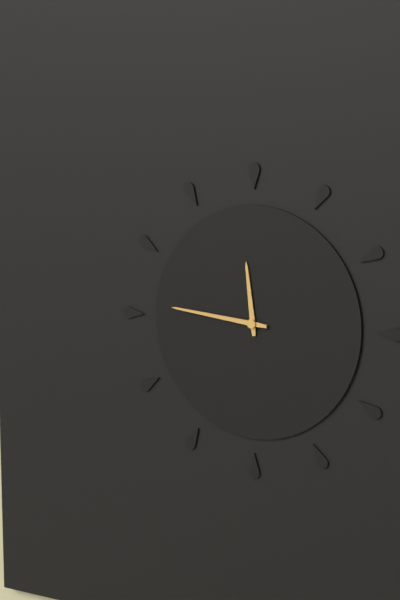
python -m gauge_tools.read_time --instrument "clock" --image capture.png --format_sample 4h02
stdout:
11h46
